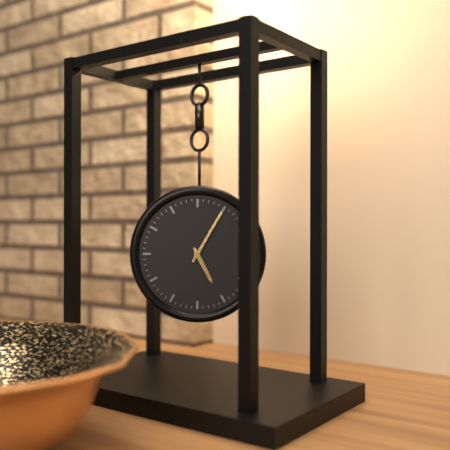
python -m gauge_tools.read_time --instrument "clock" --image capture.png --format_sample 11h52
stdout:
5h05
